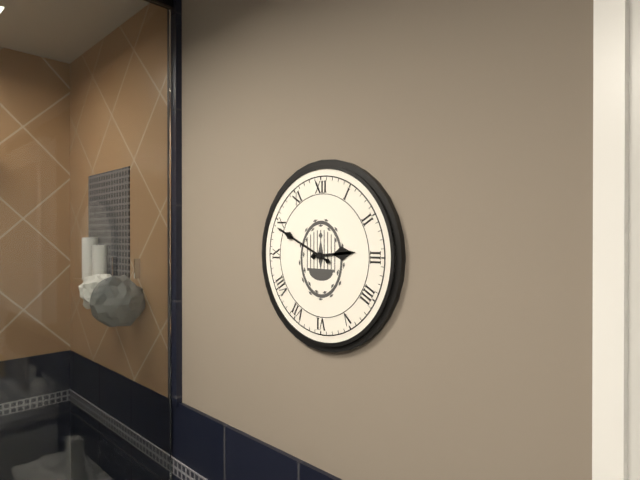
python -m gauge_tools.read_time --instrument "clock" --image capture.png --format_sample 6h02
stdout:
2h49
